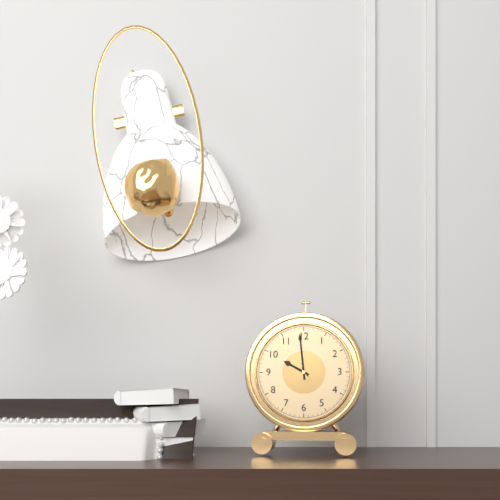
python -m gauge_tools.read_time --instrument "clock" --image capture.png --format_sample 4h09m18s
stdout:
9h59m54s
